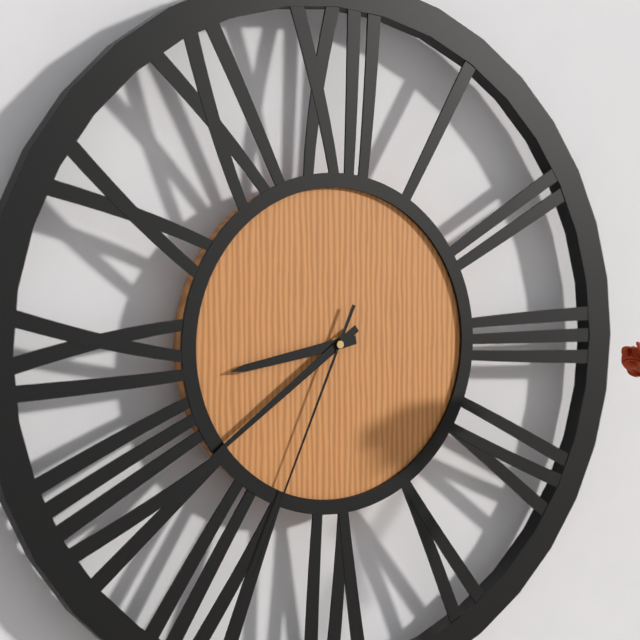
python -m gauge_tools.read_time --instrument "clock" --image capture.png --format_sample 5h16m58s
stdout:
8h39m34s
